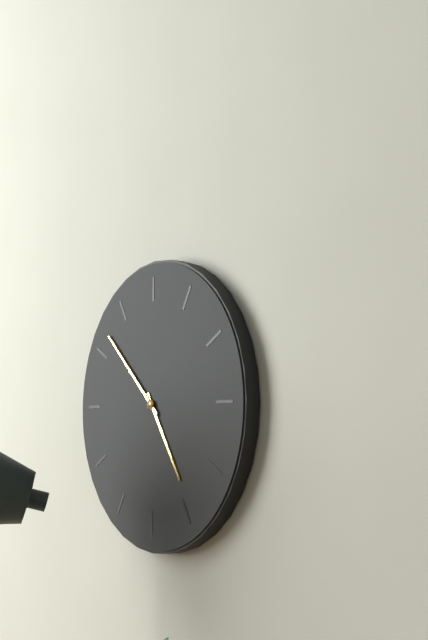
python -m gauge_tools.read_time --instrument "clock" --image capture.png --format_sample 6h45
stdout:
4h52
